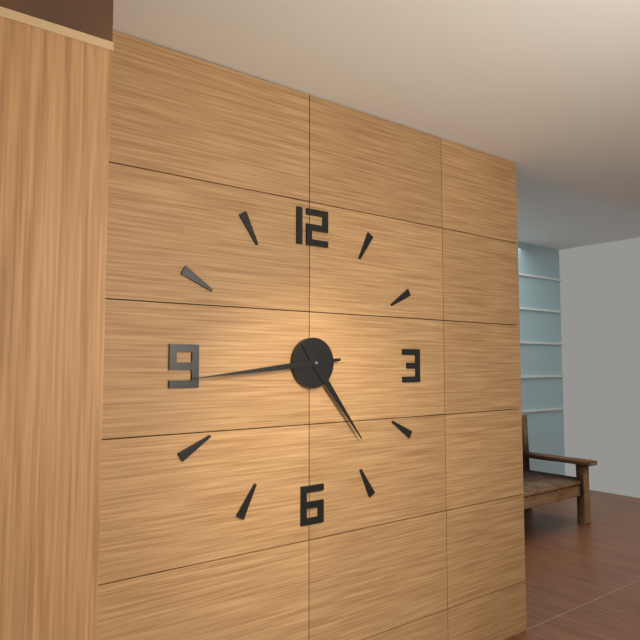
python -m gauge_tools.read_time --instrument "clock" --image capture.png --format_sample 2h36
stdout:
4h44
